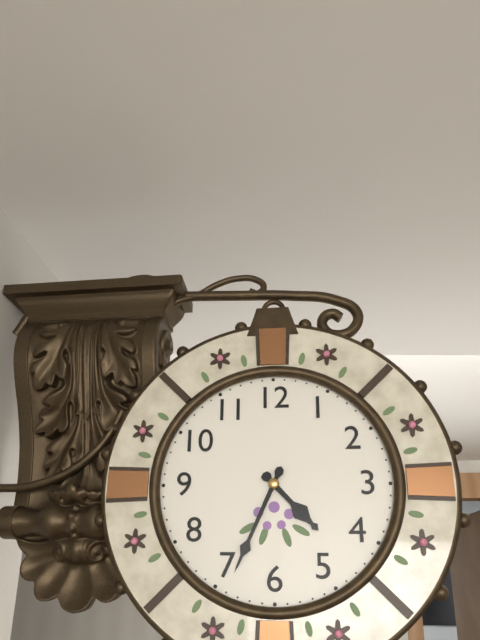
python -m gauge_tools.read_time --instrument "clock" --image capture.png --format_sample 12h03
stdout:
4h34
